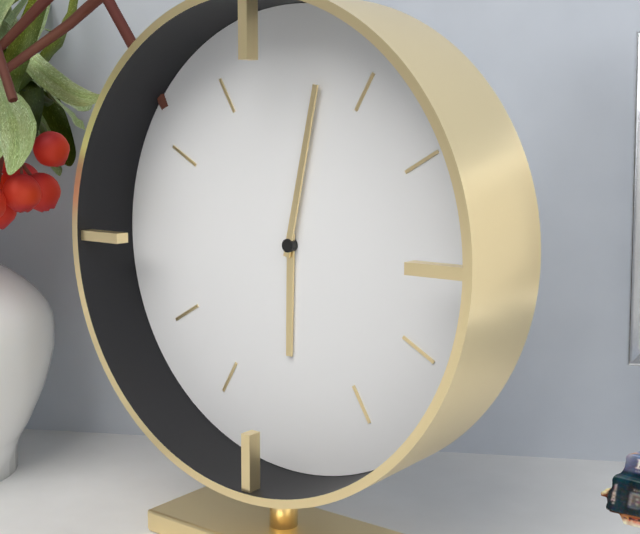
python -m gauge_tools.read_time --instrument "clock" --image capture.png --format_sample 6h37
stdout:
6h02
